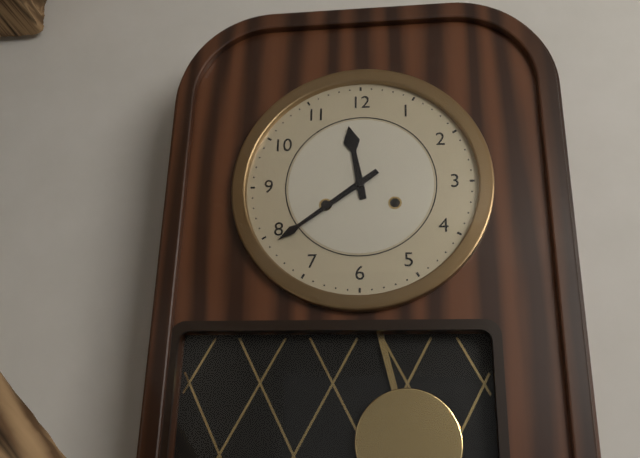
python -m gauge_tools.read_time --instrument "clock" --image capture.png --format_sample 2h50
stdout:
11h39
